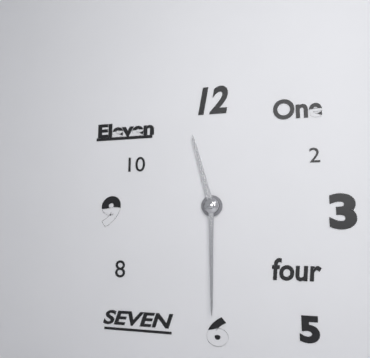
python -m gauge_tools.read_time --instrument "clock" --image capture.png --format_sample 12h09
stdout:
11h30
